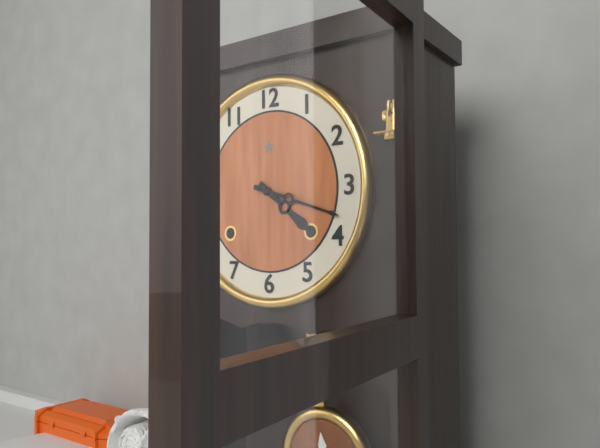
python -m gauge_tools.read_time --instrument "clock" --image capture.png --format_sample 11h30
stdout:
4h18
